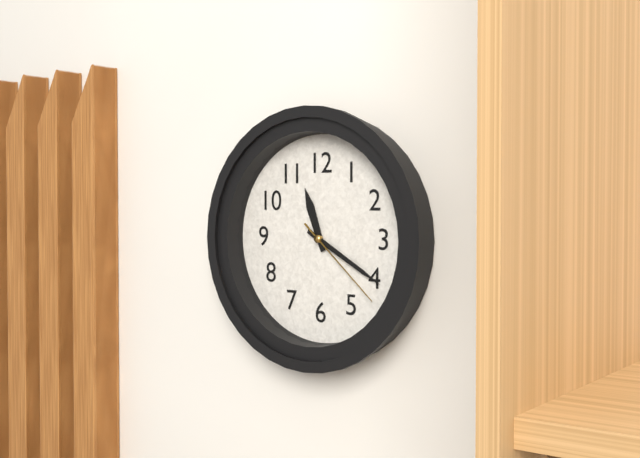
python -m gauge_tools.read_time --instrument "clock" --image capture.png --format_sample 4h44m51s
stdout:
11h20m22s
